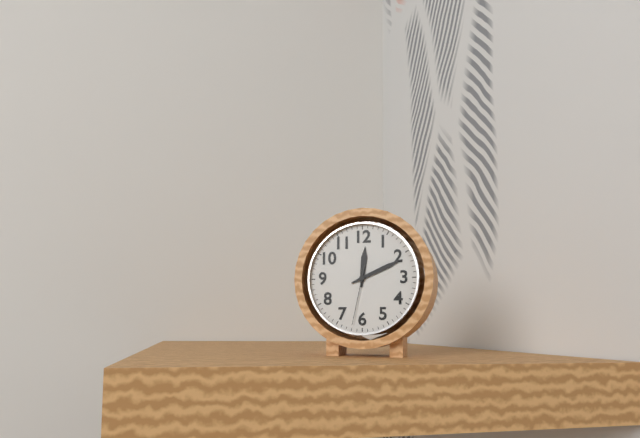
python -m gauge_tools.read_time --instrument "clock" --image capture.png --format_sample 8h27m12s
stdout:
12h11m32s
